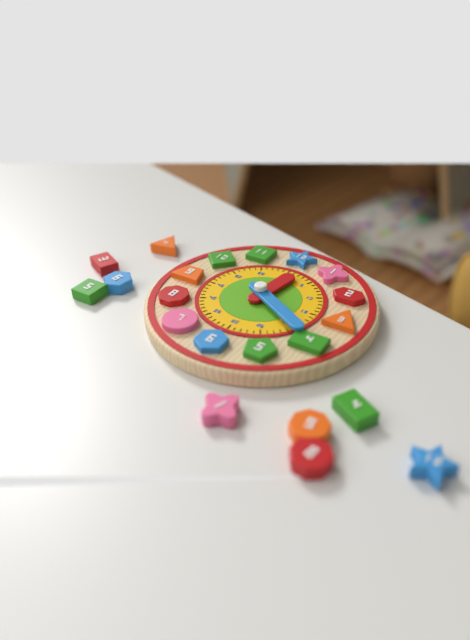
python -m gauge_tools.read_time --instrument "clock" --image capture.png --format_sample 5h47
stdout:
12h20
